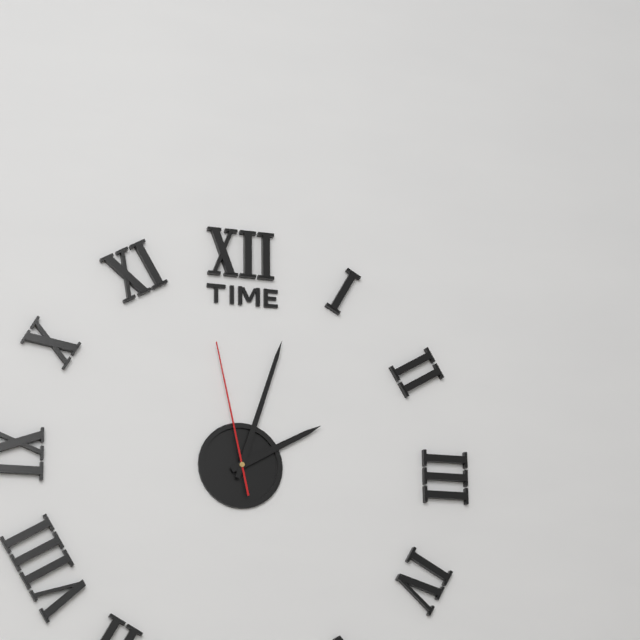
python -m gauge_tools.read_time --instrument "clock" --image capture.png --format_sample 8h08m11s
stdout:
2h03m58s
